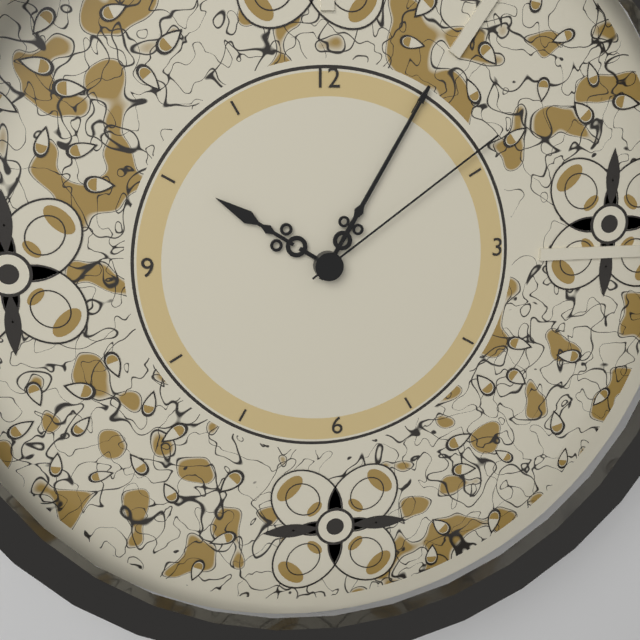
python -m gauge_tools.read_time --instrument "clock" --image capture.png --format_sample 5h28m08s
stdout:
10h05m09s
